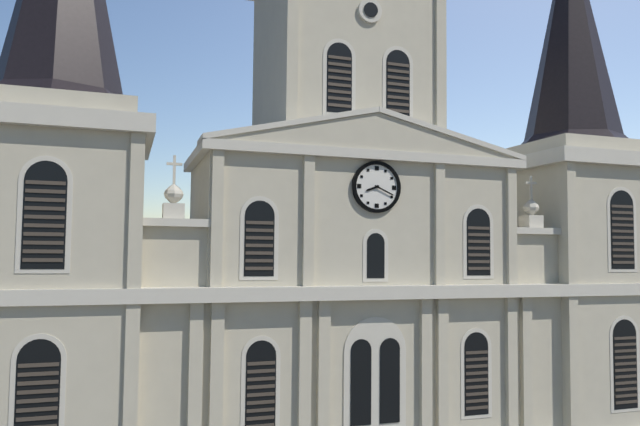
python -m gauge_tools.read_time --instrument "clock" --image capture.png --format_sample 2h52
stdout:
8h19
